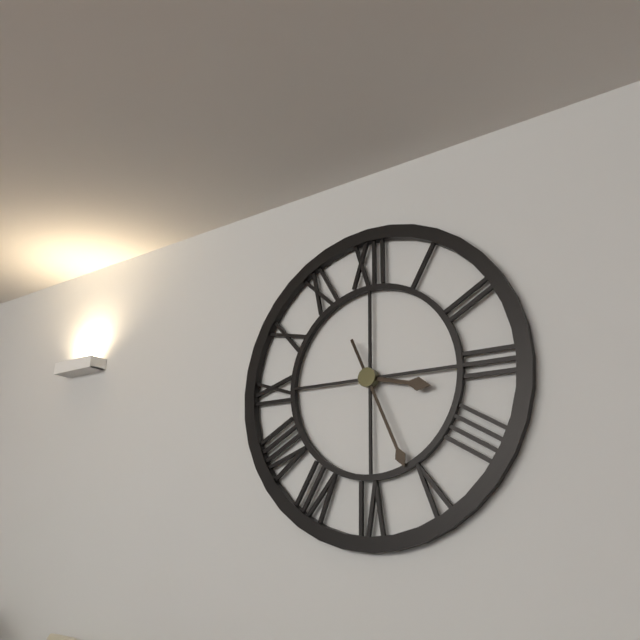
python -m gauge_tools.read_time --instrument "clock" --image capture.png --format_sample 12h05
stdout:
3h26
